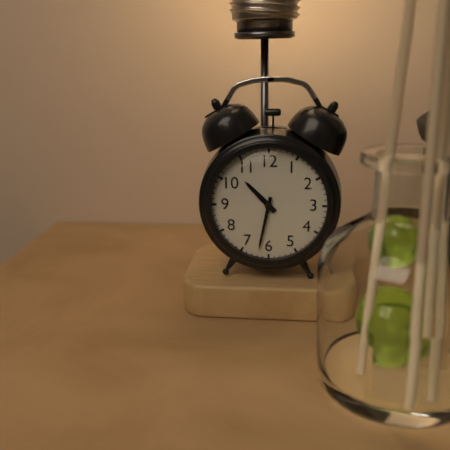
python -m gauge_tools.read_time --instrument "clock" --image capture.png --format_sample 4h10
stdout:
10h32
